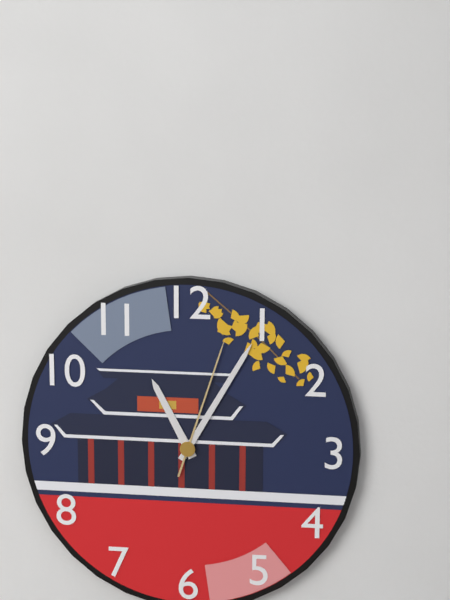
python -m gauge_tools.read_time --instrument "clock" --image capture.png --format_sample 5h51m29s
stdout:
11h05m03s
